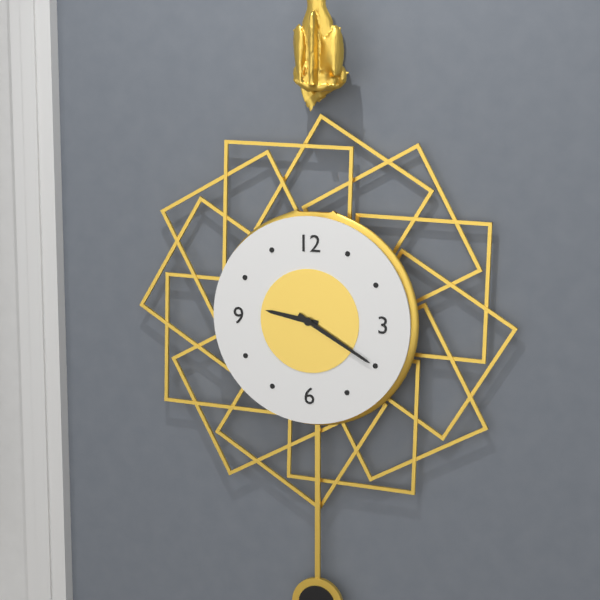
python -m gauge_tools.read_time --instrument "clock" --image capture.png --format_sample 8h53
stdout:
9h20
